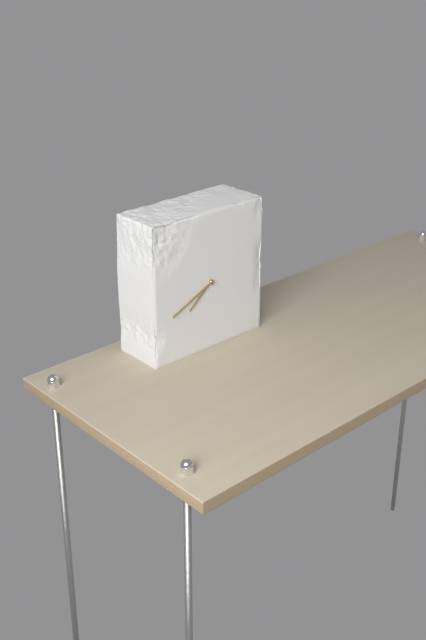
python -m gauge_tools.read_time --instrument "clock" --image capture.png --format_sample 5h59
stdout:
7h41
